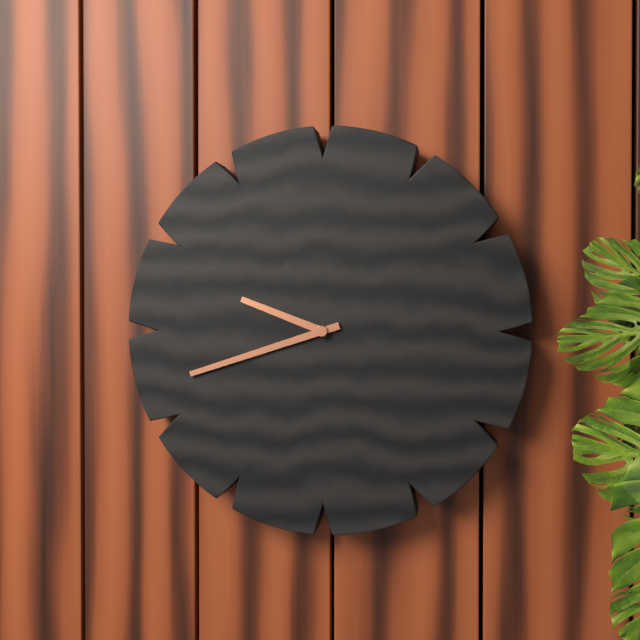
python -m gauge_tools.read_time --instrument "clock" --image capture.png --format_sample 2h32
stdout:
9h42
